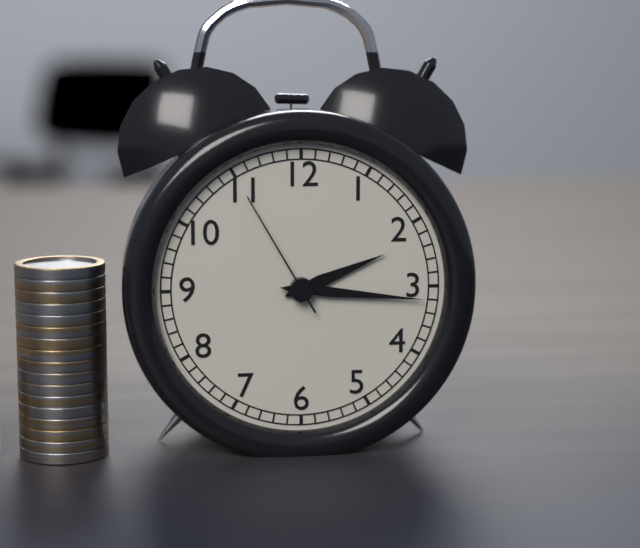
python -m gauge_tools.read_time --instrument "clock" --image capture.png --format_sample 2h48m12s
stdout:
2h16m55s
